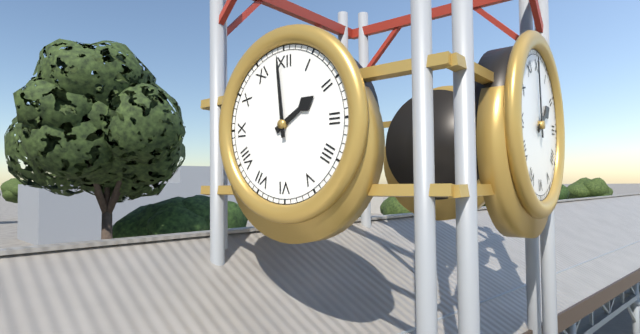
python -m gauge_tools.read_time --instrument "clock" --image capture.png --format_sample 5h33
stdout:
1h59
